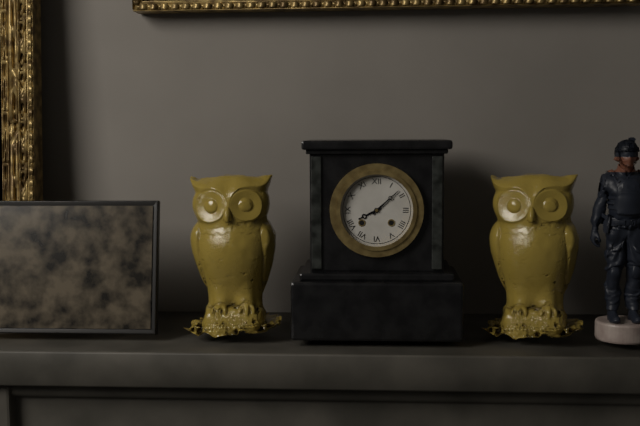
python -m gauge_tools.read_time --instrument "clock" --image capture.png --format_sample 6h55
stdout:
8h08
